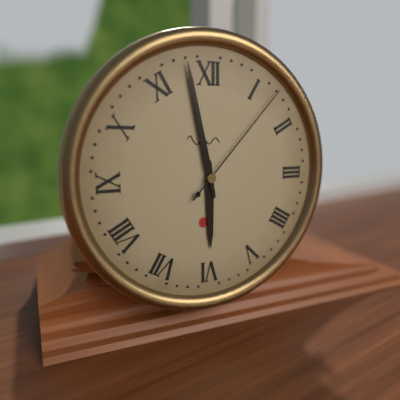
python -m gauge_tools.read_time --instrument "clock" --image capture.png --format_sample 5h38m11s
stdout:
5h58m07s
